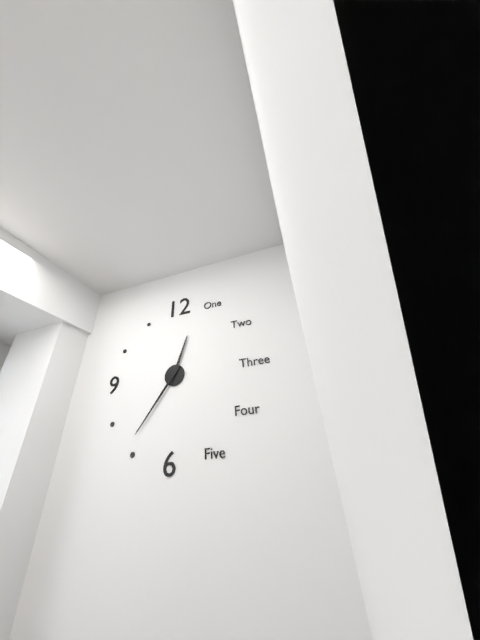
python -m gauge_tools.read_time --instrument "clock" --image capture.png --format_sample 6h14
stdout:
12h36
